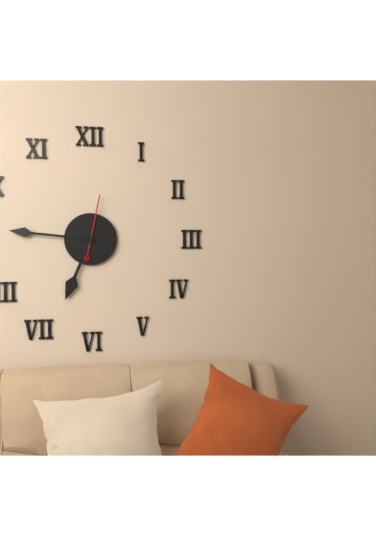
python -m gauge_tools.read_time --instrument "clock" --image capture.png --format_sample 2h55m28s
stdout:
6h46m02s
